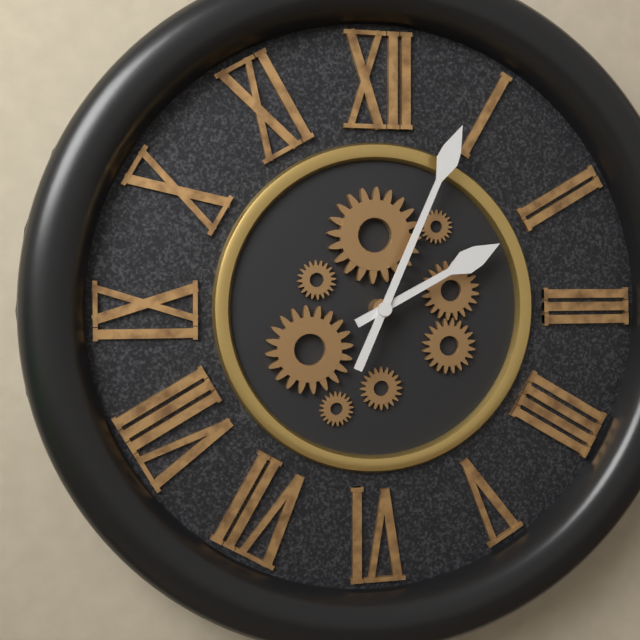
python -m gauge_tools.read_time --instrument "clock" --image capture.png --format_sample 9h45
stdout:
2h04
